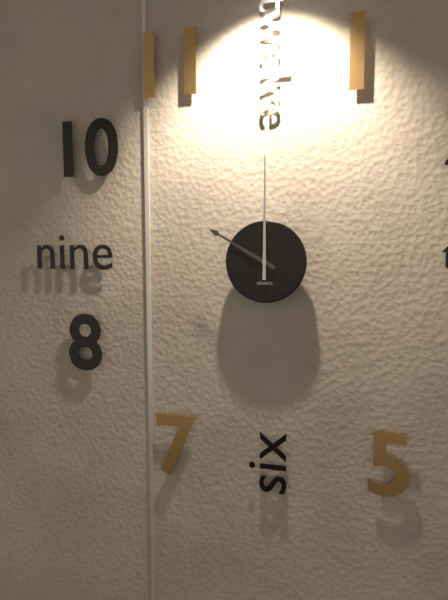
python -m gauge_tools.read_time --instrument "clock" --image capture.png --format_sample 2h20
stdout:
10h00
